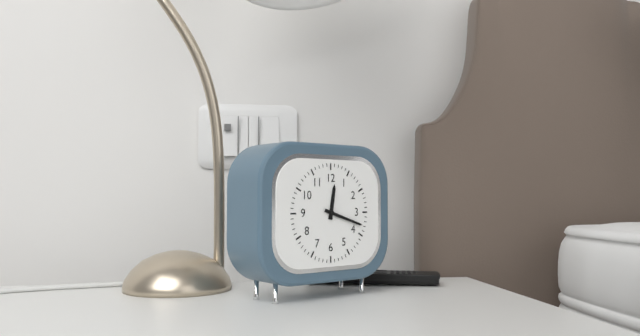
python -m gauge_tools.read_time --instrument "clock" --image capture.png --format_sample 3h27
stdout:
12h18
